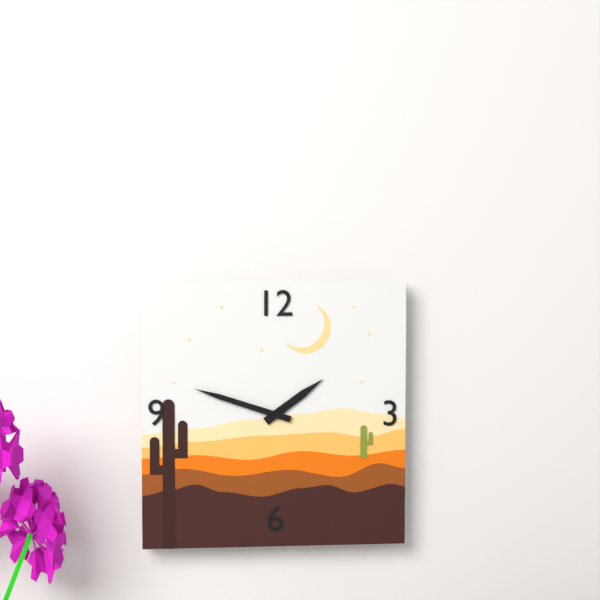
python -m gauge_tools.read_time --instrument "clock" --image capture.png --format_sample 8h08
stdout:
1h48
